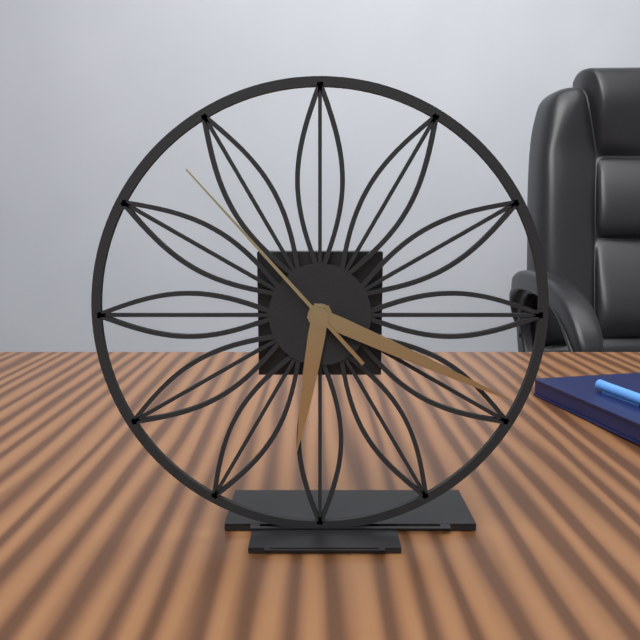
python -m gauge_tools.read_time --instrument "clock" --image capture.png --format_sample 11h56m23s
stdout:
6h19m53s
